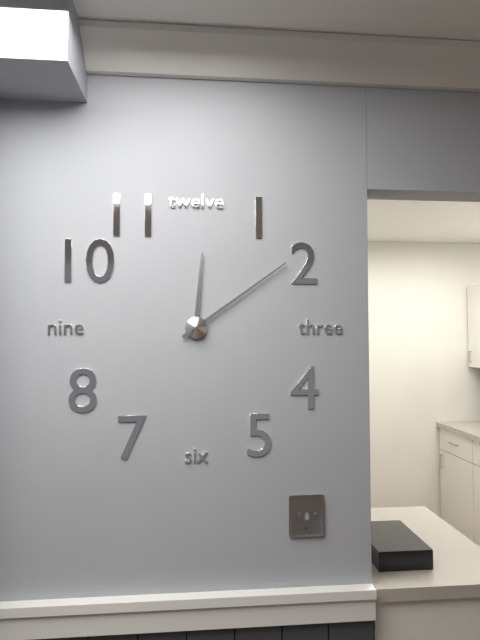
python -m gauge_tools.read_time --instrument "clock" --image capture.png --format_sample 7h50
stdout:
12h09
